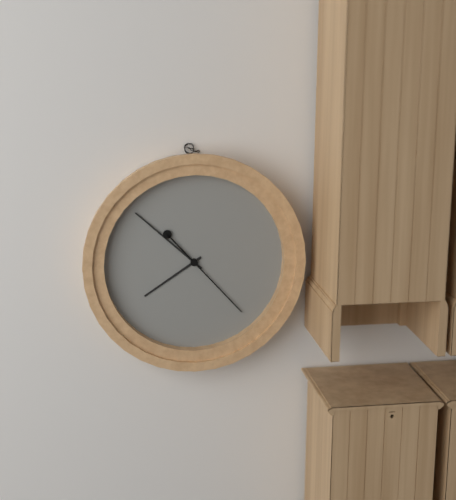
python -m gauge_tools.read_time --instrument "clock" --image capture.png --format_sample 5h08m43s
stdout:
7h52m23s
